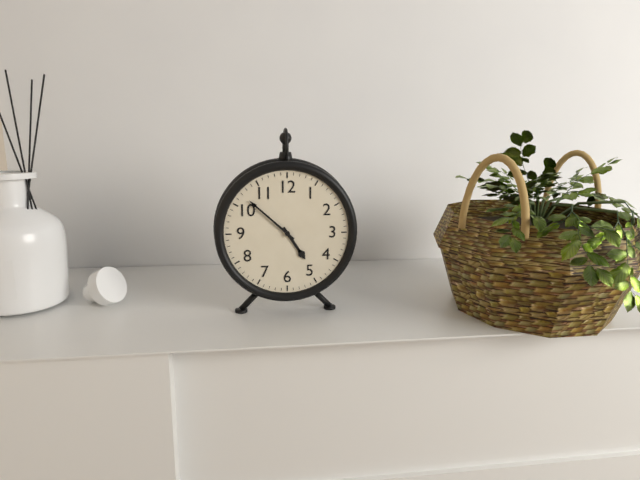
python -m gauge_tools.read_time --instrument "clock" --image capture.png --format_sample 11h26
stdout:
4h52
